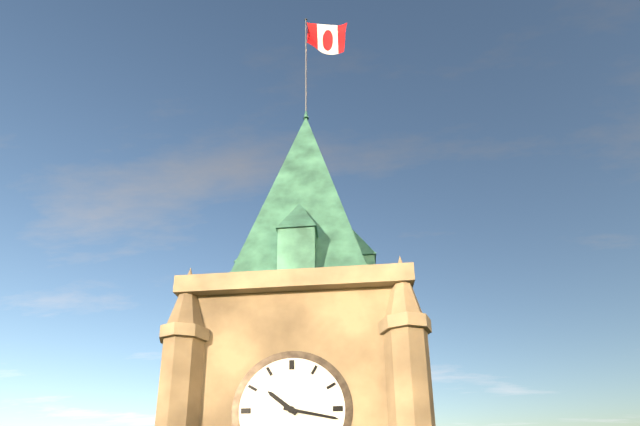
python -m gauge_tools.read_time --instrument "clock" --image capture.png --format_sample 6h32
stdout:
10h17
